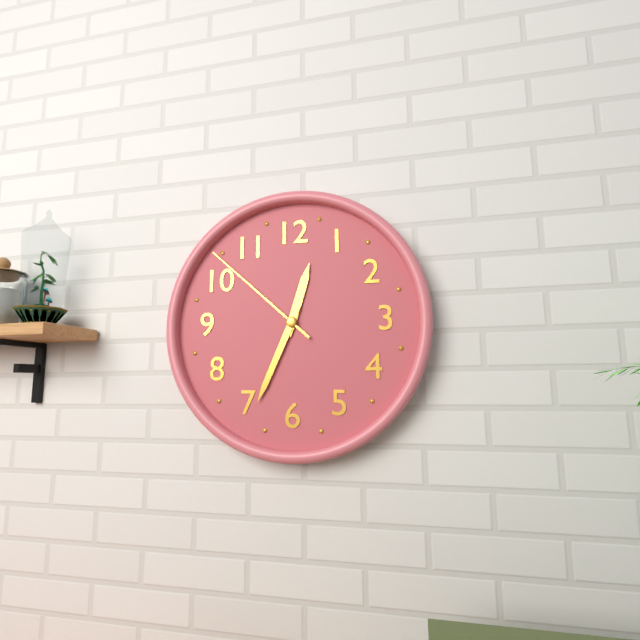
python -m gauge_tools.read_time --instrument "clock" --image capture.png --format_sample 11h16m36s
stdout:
12h34m52s
